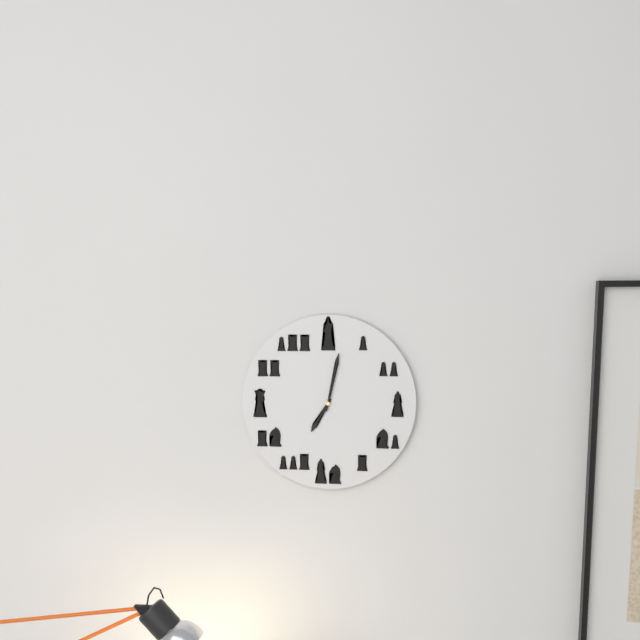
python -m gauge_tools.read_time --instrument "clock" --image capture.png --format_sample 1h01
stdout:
7h02
